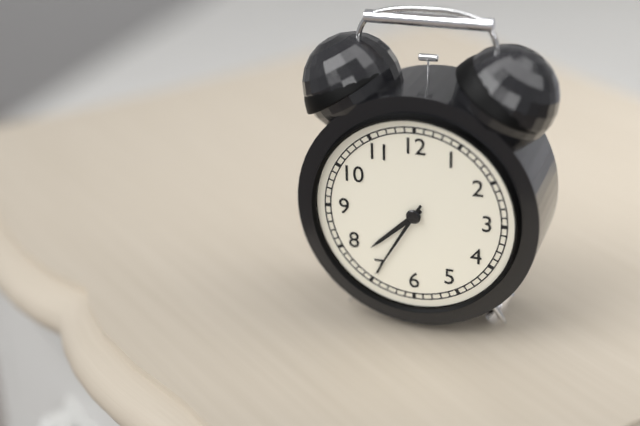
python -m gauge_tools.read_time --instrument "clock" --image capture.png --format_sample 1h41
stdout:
7h35
